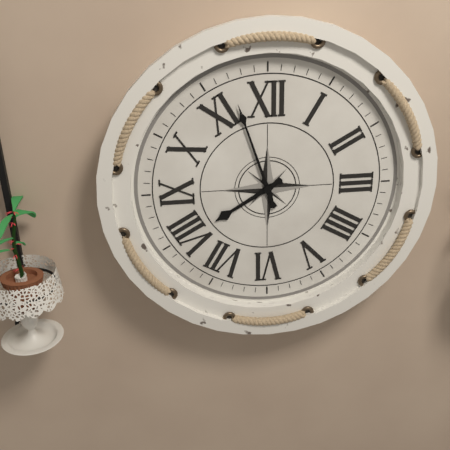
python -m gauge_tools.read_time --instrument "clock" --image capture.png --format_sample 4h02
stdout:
7h57
